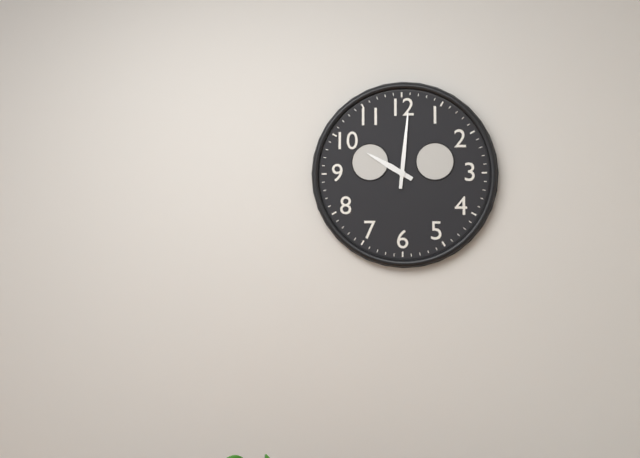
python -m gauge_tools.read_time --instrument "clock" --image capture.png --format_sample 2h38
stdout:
10h01
